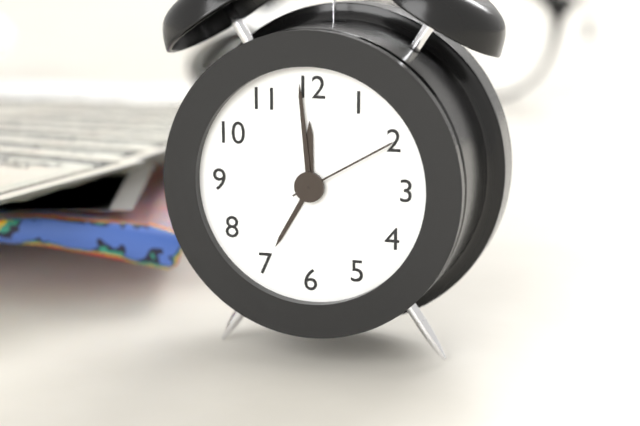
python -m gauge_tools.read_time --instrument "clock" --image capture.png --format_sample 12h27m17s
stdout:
11h59m10s
